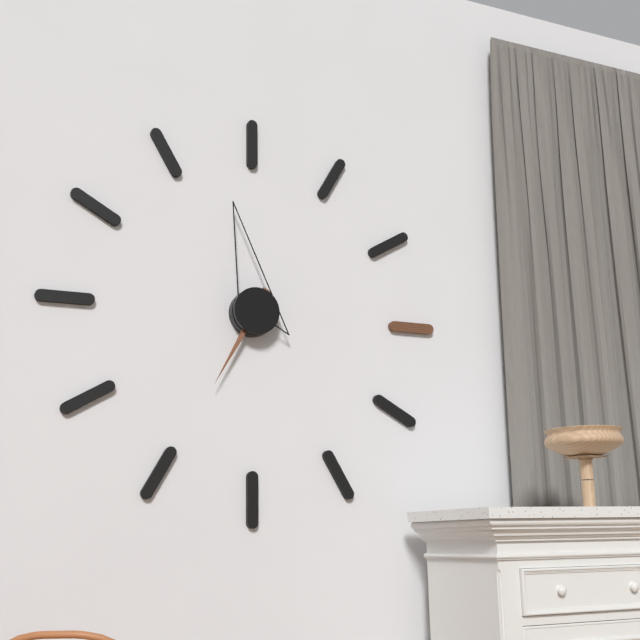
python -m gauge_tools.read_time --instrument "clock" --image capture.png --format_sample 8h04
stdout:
6h58
